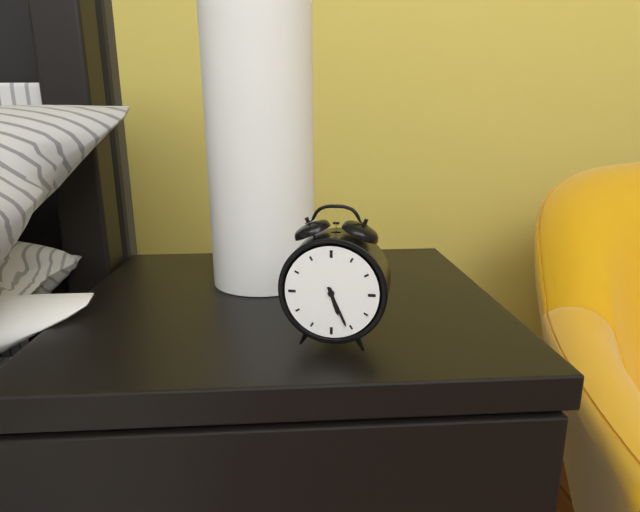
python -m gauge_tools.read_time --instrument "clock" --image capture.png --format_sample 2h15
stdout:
5h26
